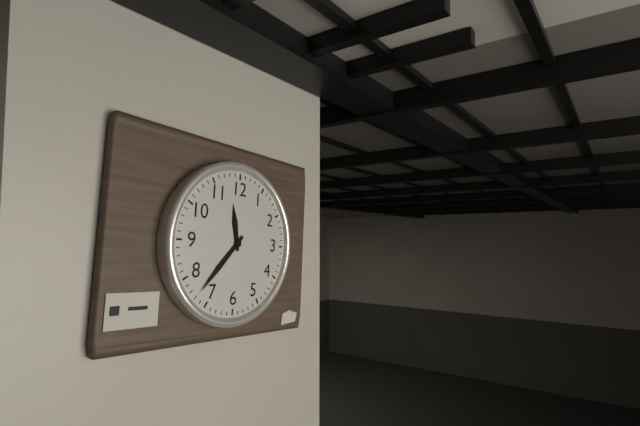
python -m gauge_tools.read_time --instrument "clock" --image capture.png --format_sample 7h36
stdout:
11h37
